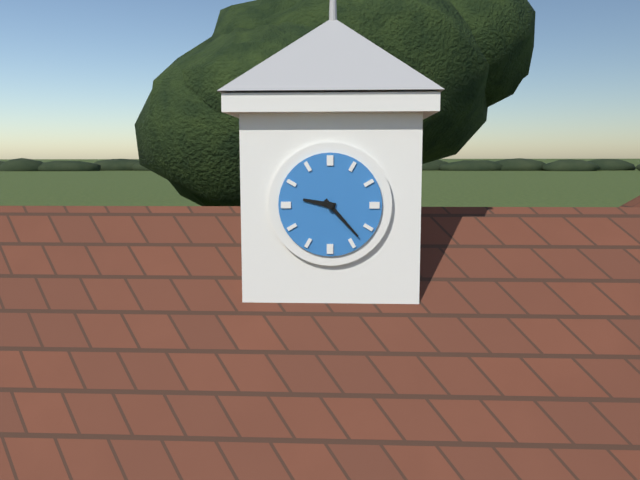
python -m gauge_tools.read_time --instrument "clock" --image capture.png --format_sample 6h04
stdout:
9h23
